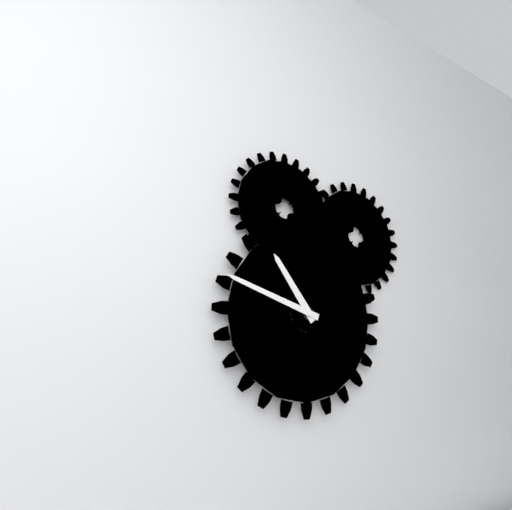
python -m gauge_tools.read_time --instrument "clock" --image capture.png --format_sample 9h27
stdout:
10h48
